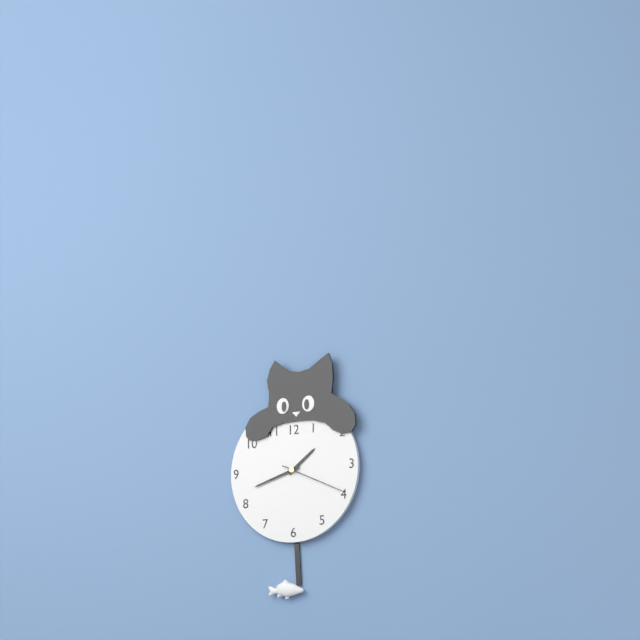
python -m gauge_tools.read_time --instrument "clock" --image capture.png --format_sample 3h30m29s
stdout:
1h42m19s
